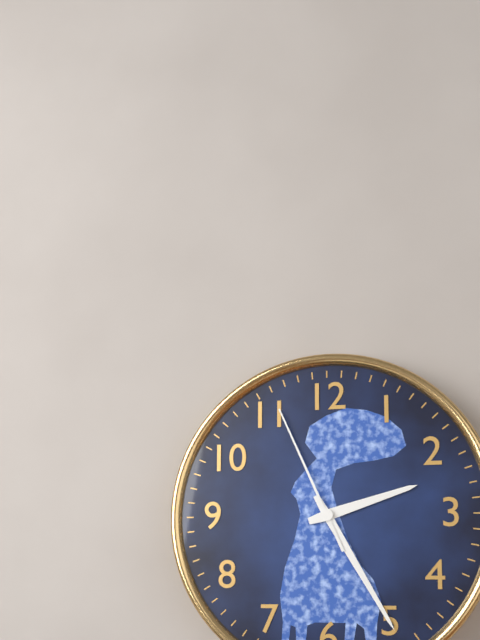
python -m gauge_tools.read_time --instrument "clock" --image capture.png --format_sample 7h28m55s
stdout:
2h25m56s
